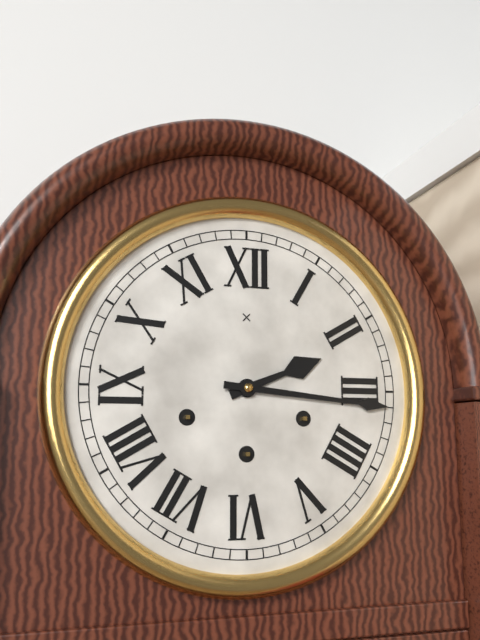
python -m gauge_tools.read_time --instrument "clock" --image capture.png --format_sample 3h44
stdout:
2h16
